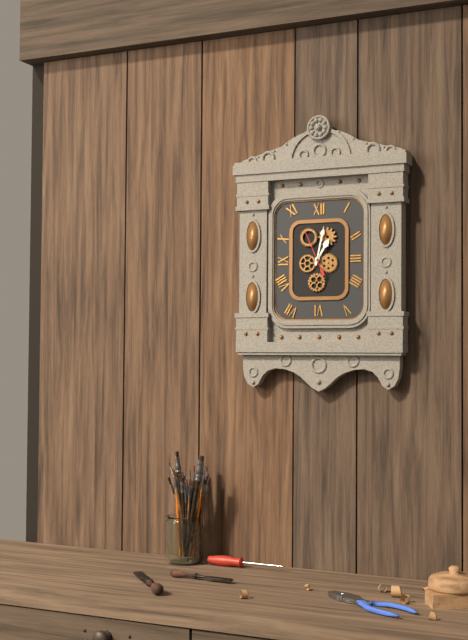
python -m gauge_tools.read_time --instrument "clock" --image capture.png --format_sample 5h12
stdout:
1h02
